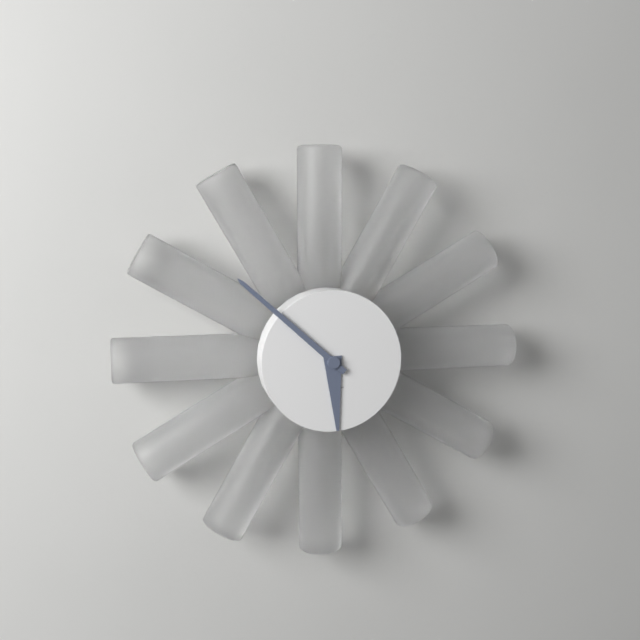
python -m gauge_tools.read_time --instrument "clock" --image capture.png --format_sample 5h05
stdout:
5h52
